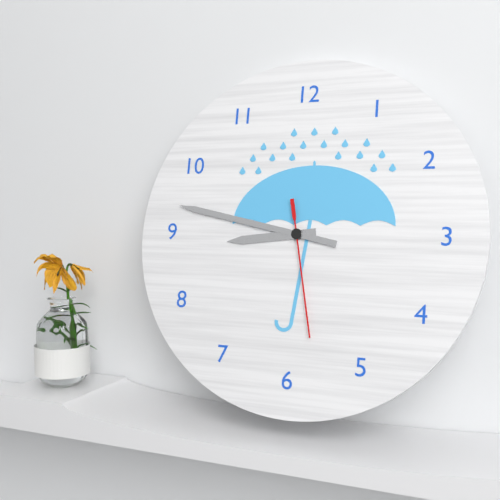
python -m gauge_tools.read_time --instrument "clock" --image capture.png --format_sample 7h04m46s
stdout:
8h47m28s
